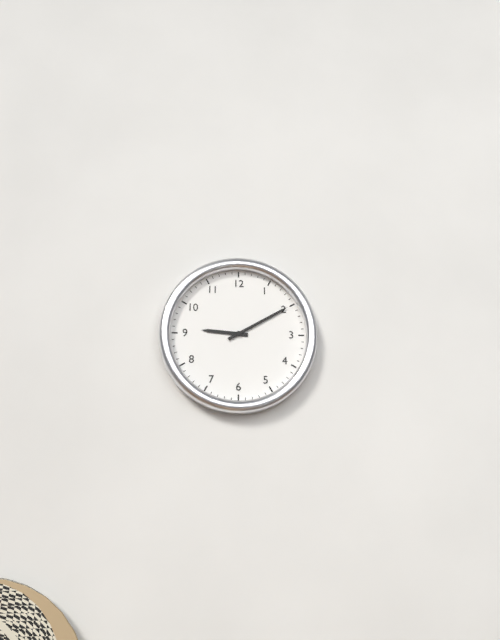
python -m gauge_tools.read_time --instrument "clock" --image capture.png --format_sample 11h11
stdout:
9h10
